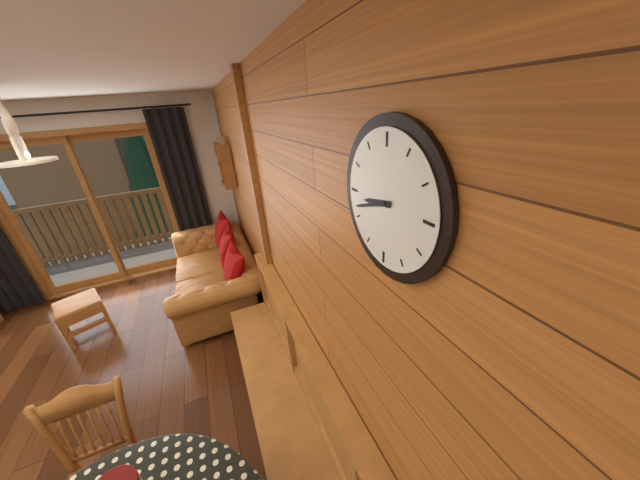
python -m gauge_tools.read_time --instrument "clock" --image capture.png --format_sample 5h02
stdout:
8h42
